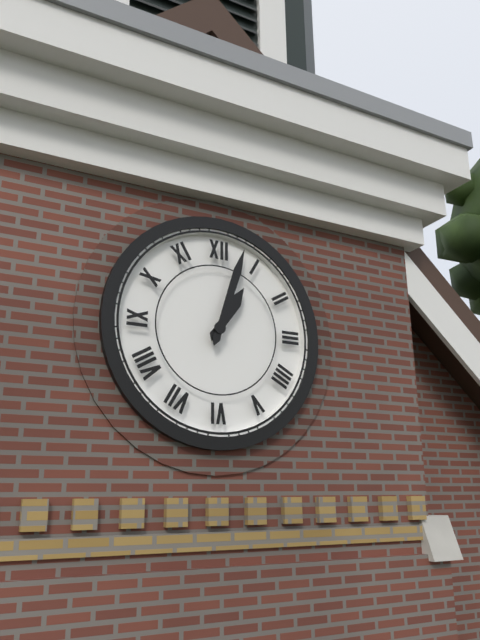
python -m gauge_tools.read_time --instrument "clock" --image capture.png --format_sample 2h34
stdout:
1h03
